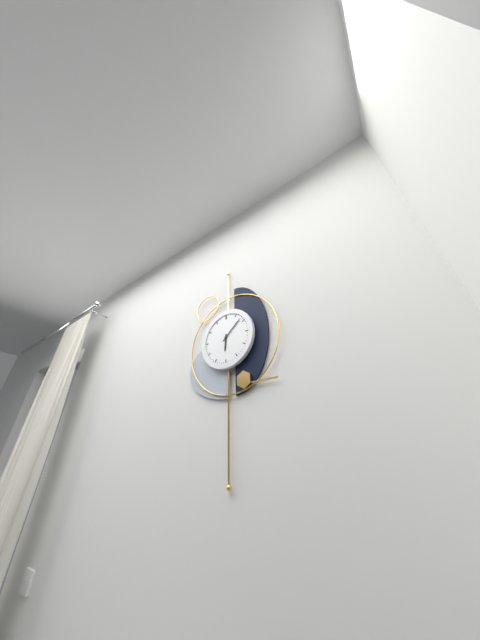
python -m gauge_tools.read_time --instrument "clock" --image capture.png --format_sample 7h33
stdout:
6h08
